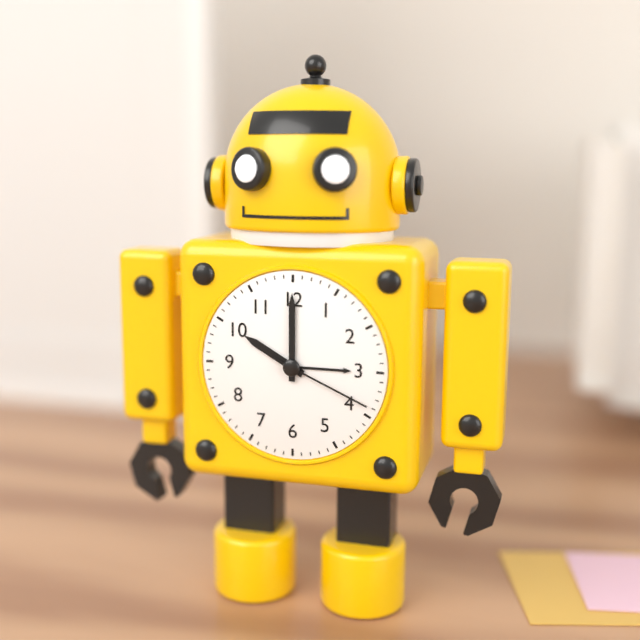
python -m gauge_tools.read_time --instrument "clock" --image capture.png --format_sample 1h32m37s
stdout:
10h00m19s
